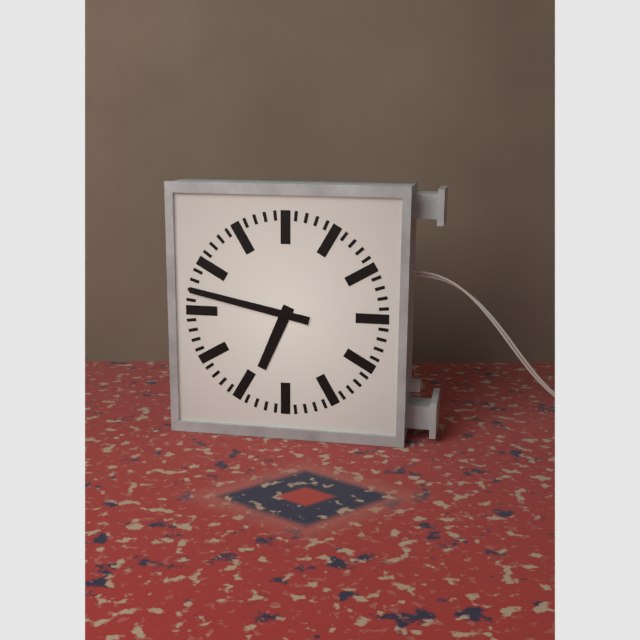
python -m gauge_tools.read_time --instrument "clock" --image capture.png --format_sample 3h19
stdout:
6h47
